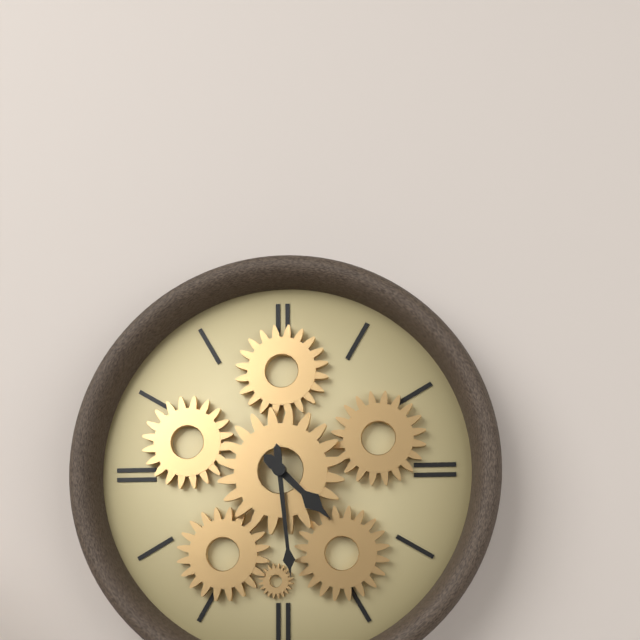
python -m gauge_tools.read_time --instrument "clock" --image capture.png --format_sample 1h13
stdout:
4h29
